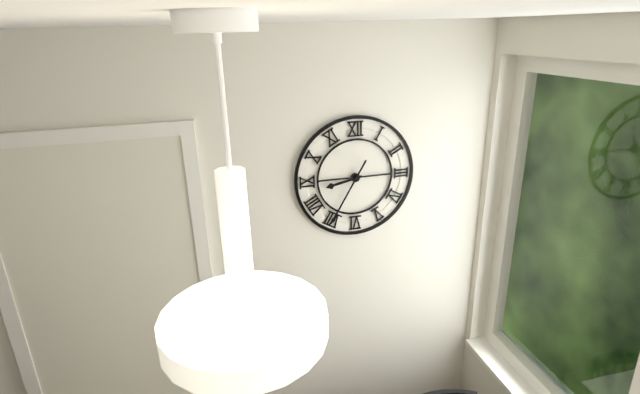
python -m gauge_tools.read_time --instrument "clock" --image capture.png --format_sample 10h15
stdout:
8h35
